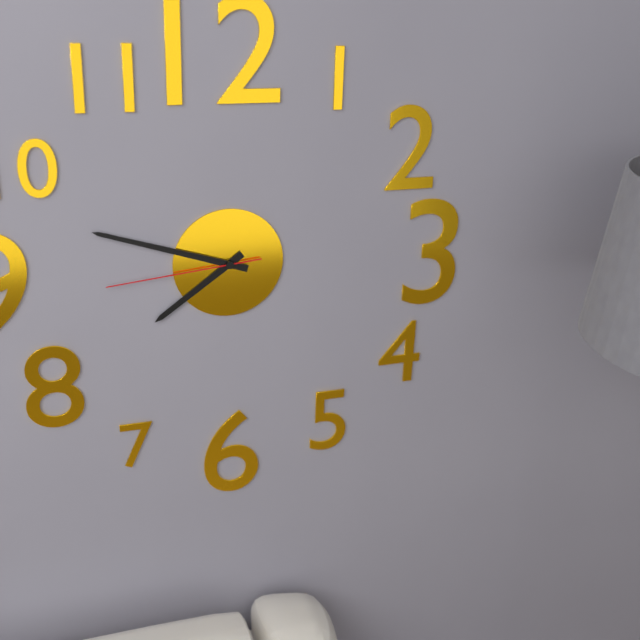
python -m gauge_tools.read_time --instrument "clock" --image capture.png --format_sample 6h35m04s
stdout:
7h48m44s
